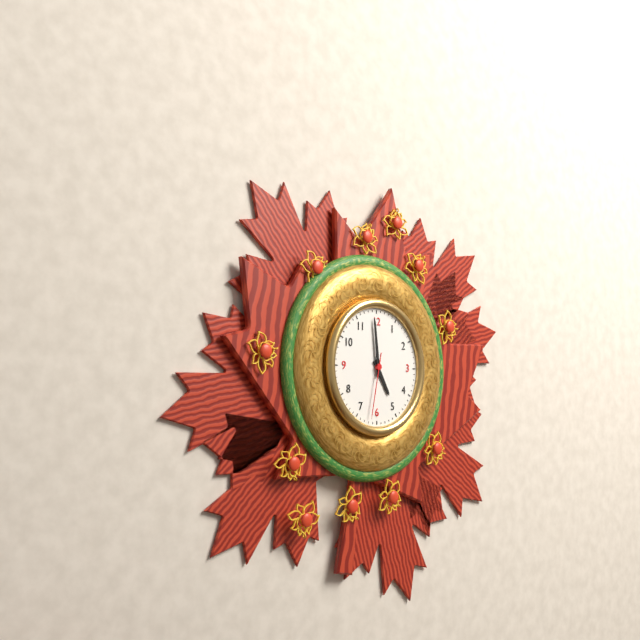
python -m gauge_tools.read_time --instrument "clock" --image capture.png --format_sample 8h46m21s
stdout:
4h59m32s
